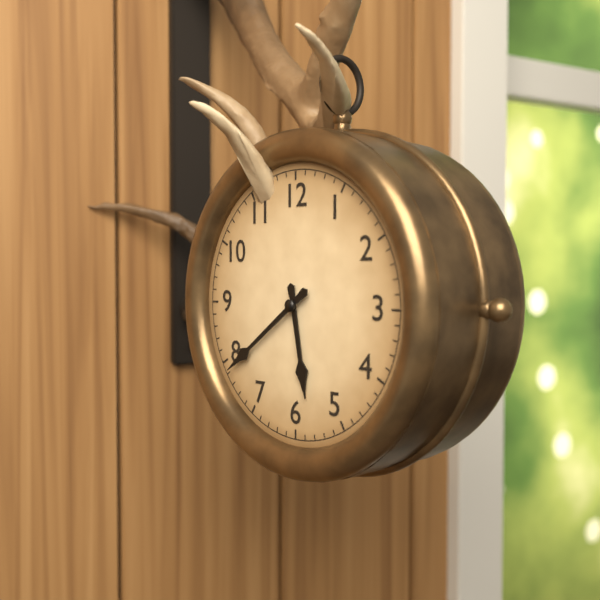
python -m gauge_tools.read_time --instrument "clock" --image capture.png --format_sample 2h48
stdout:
5h39
